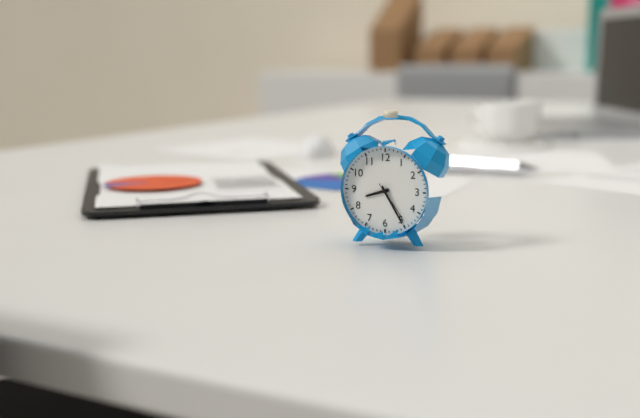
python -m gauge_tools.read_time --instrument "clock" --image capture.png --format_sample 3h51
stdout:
8h25
